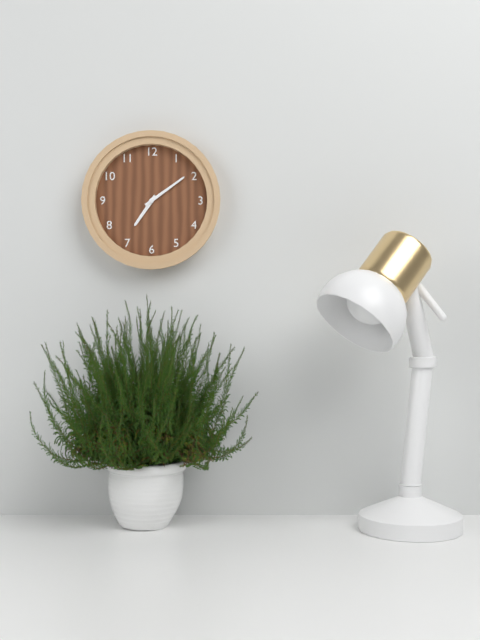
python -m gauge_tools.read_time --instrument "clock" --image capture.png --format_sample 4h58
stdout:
7h09
